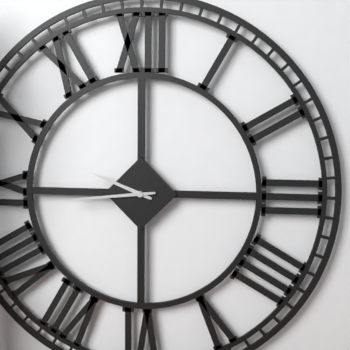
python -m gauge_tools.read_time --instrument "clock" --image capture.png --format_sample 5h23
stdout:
9h44
